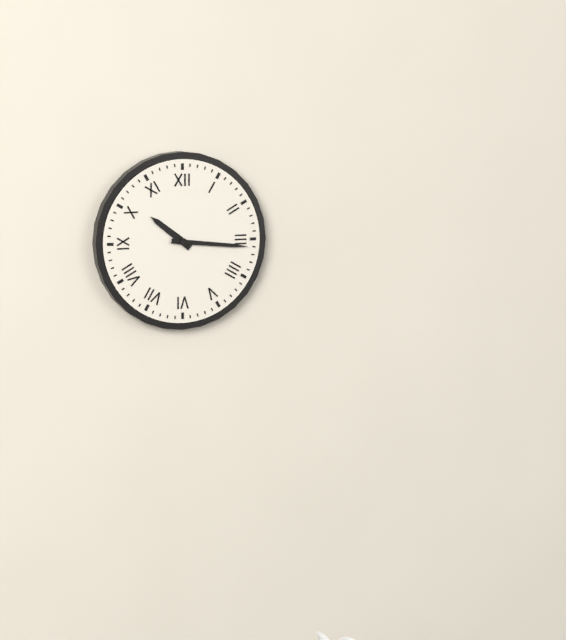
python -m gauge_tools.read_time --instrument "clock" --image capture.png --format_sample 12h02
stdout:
10h16
